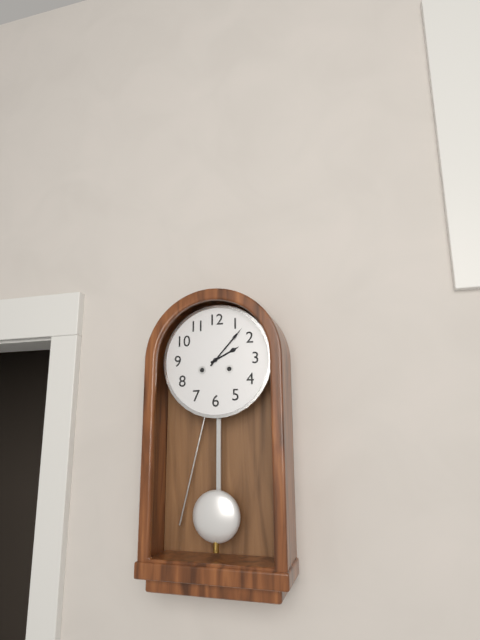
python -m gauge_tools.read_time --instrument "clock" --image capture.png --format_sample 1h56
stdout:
2h07
